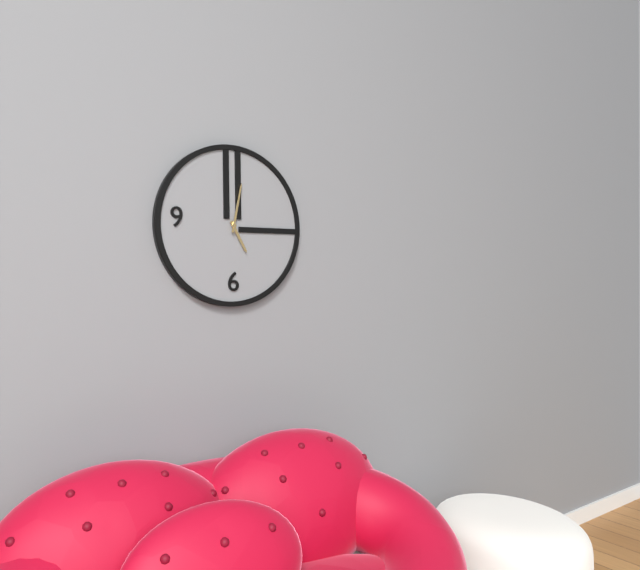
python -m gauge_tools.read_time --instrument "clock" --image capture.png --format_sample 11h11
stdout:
5h02
